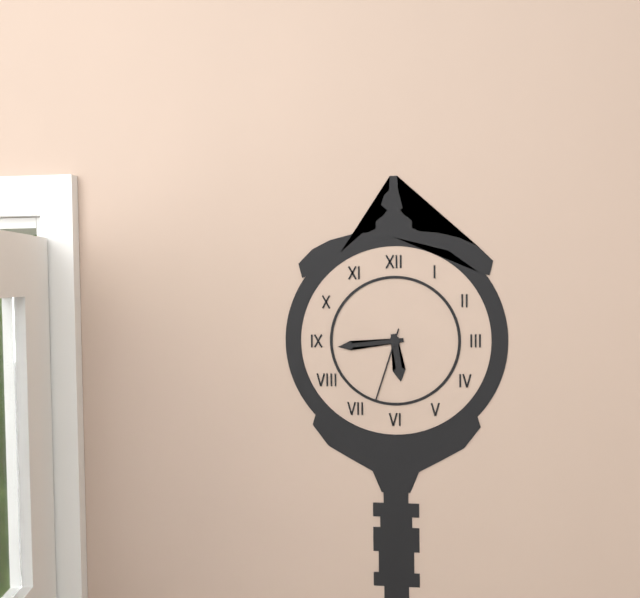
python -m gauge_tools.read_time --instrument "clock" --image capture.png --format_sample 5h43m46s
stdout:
5h44m33s
